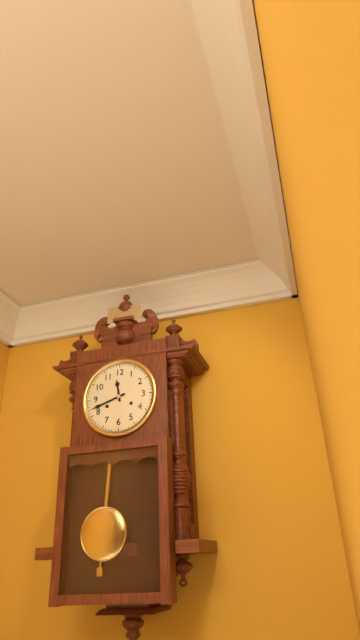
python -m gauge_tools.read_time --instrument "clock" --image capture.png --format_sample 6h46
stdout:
11h42
